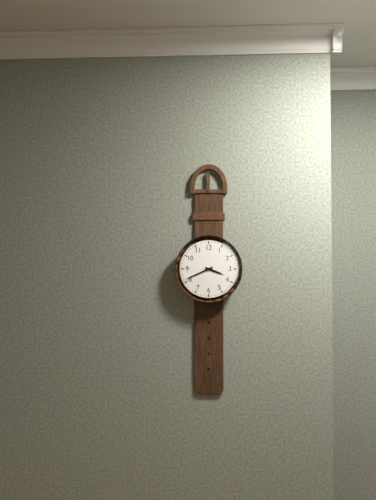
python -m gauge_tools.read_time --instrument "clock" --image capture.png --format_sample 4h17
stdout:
3h41
